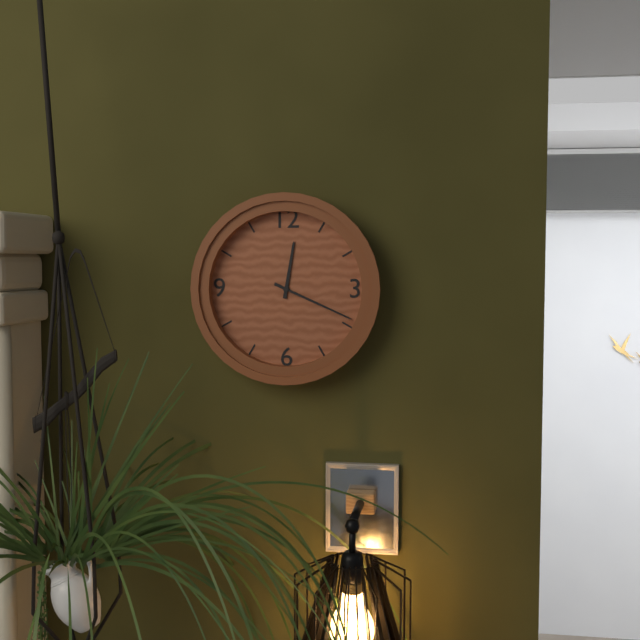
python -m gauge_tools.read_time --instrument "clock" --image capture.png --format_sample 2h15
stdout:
12h19
